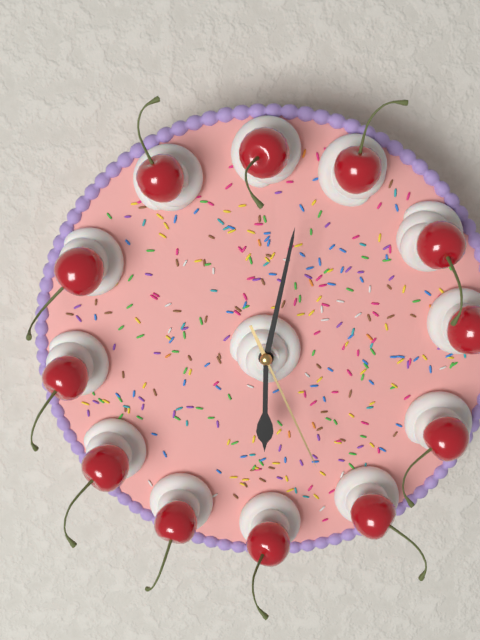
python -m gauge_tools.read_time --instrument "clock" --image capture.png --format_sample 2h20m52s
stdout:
6h02m26s
